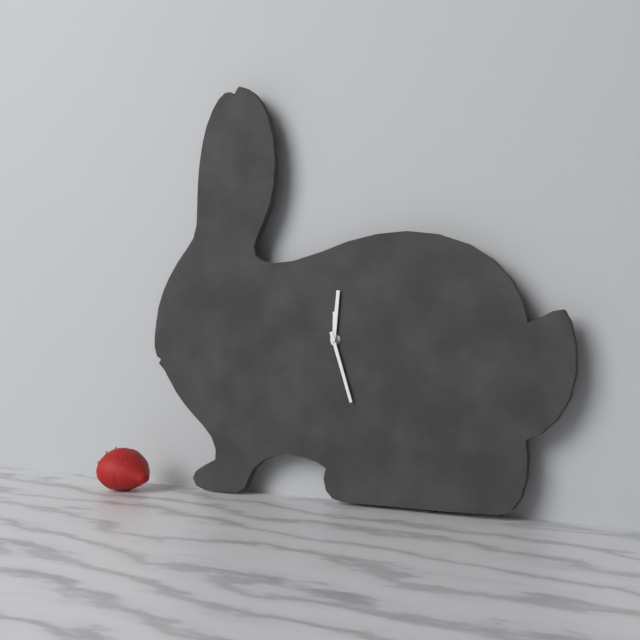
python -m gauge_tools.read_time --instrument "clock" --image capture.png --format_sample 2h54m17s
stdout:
12h01m27s
